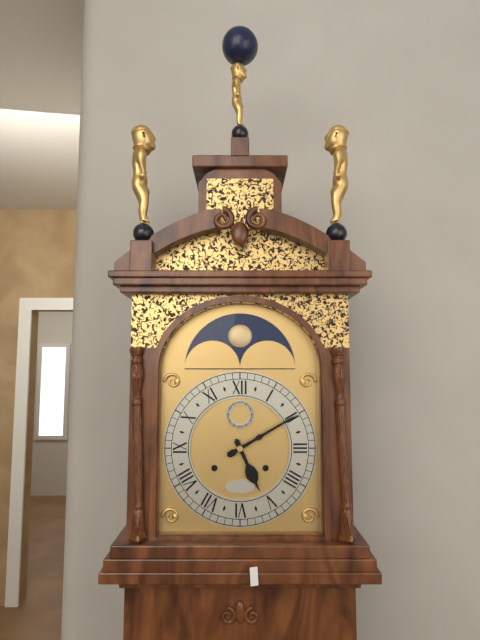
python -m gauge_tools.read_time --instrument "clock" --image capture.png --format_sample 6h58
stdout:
5h10
